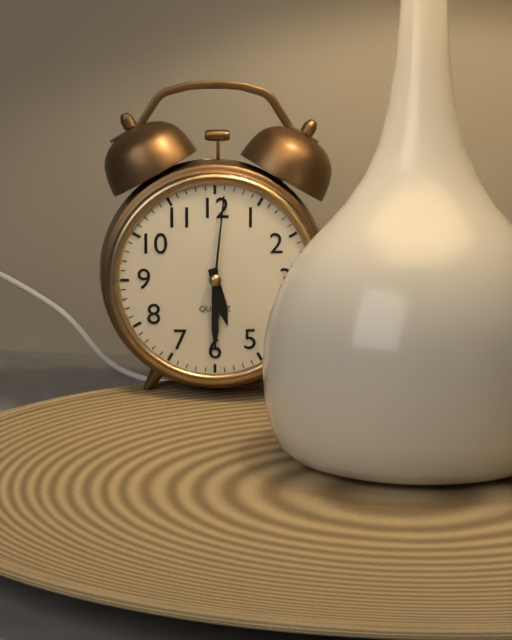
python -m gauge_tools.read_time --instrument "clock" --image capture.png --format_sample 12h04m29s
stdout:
5h30m01s
